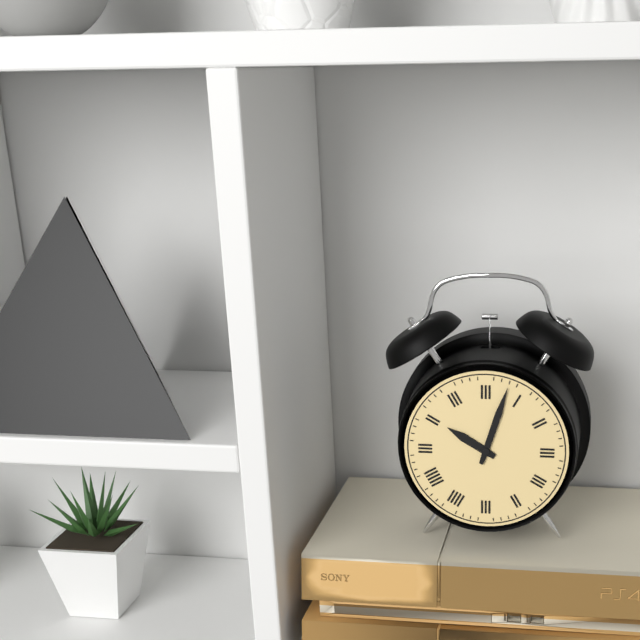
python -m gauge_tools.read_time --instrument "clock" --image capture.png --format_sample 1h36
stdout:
10h03
